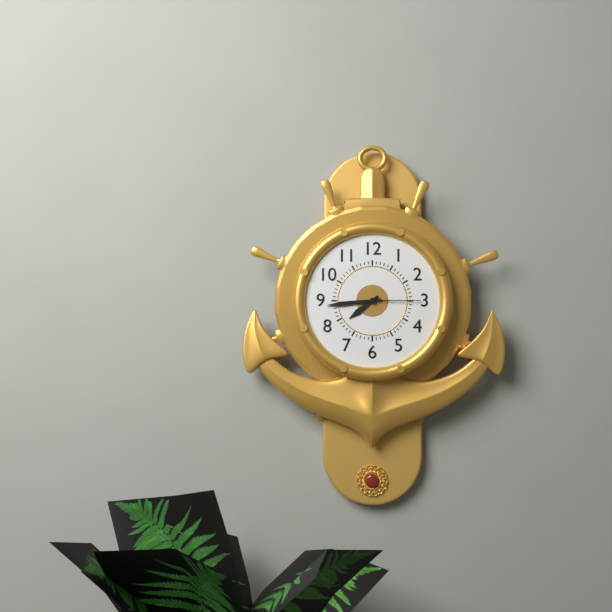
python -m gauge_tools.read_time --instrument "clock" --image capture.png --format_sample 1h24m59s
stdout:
7h44m15s
